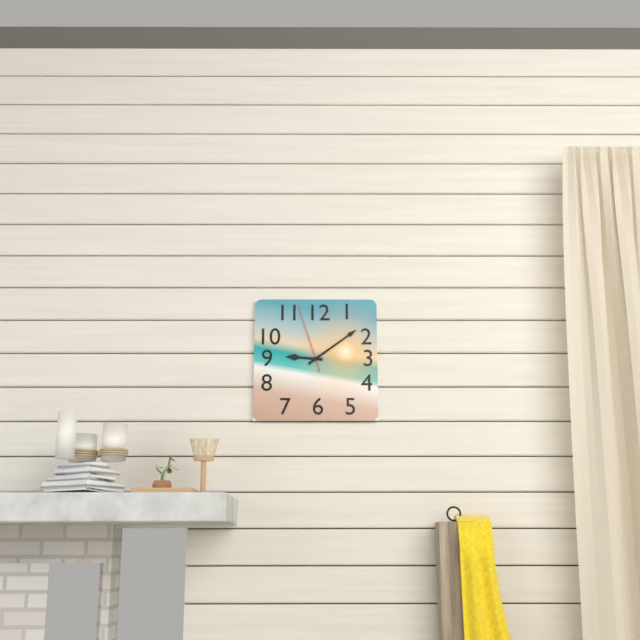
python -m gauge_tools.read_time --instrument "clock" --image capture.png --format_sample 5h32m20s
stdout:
9h09m57s
